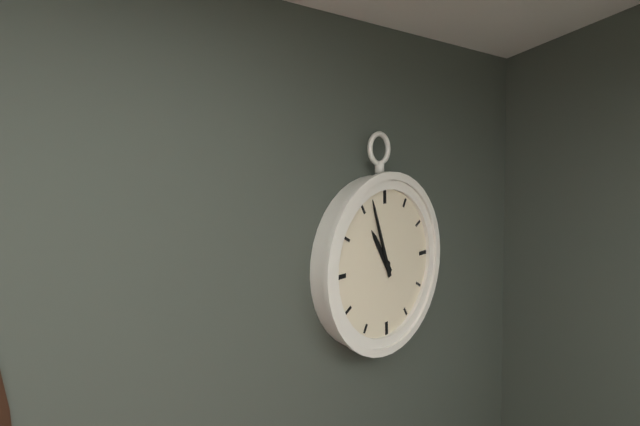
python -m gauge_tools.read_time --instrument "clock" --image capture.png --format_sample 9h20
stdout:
10h57
